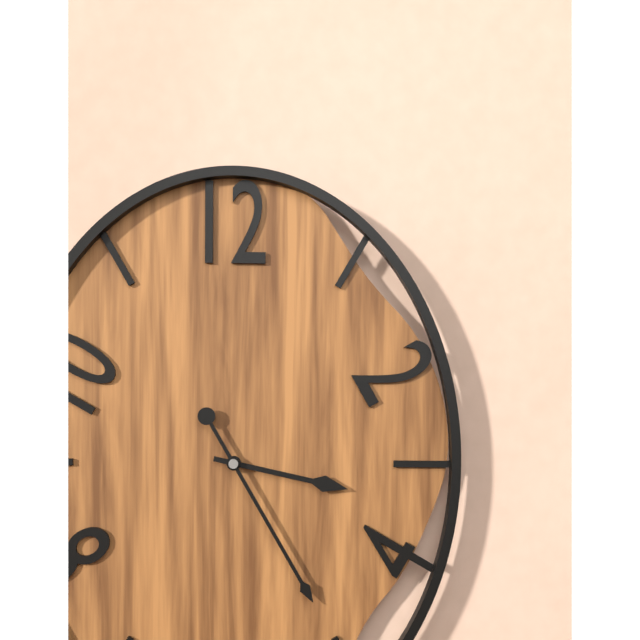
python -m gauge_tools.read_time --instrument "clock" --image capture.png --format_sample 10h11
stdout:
3h25
